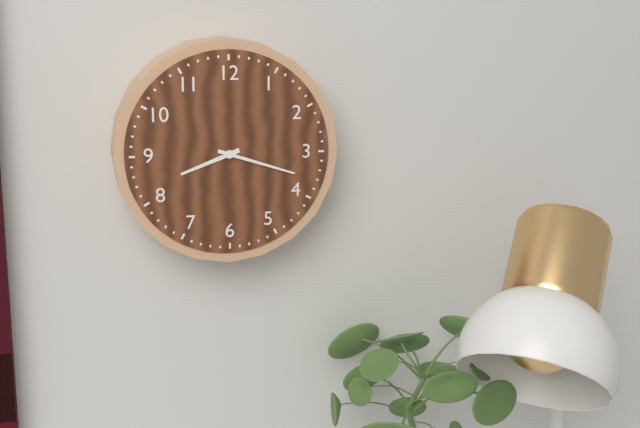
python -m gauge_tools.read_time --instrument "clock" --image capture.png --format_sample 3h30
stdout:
8h18
